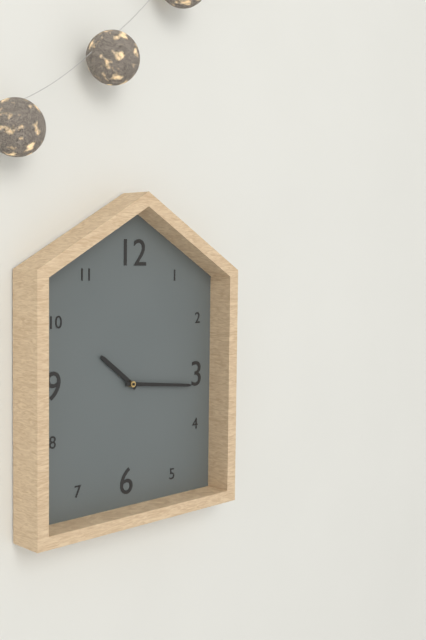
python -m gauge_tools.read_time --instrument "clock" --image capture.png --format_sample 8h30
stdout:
10h16
